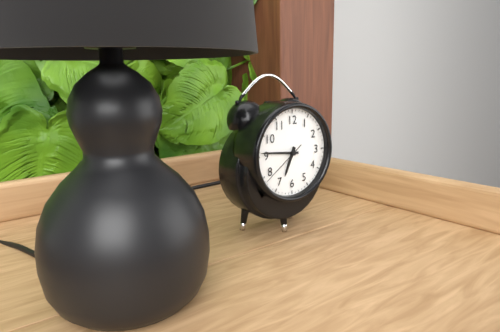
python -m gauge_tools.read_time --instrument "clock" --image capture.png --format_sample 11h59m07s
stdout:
6h46m39s
